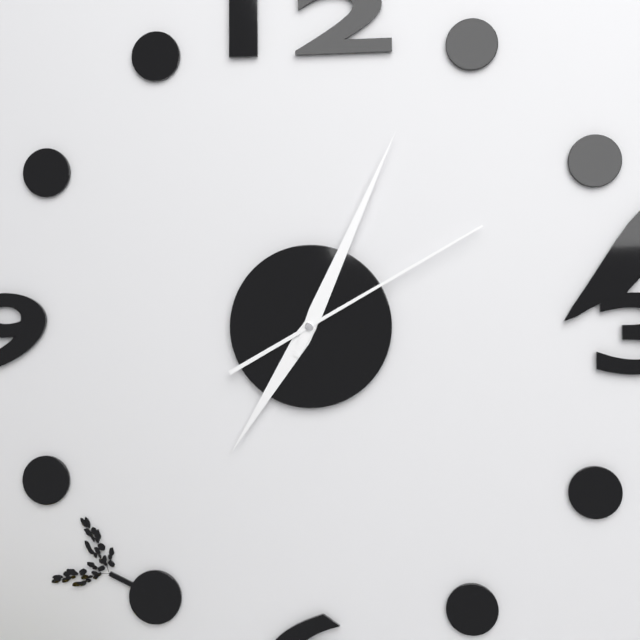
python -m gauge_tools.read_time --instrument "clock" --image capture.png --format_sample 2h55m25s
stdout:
7h04m10s
